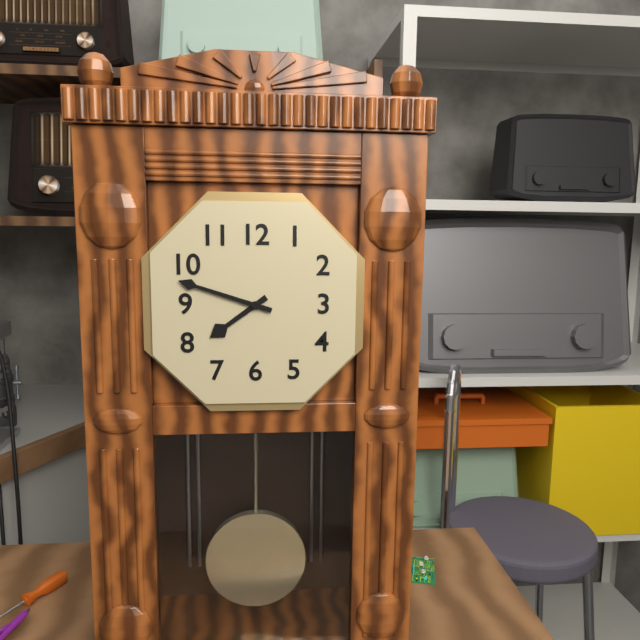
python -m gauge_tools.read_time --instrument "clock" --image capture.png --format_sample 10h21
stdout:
7h48
